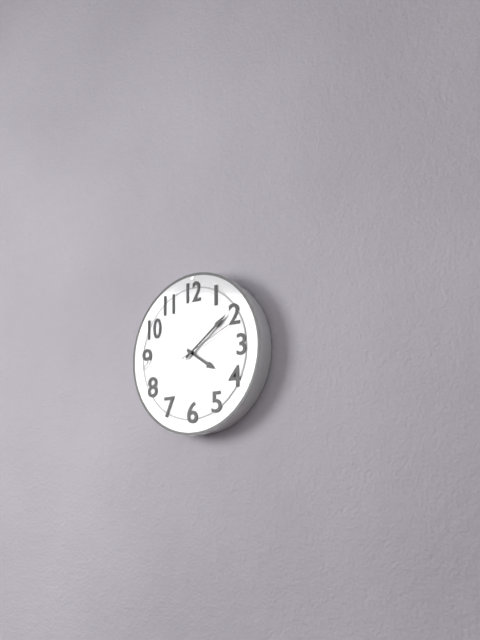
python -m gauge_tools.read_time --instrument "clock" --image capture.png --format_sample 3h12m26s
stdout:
4h09m11s
